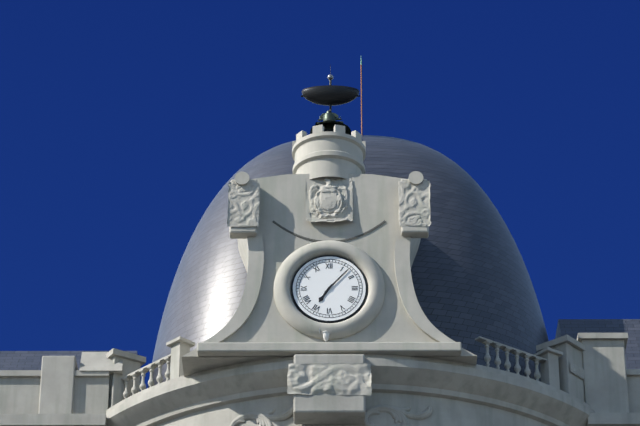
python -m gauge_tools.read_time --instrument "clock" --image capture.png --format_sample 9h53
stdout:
7h07
